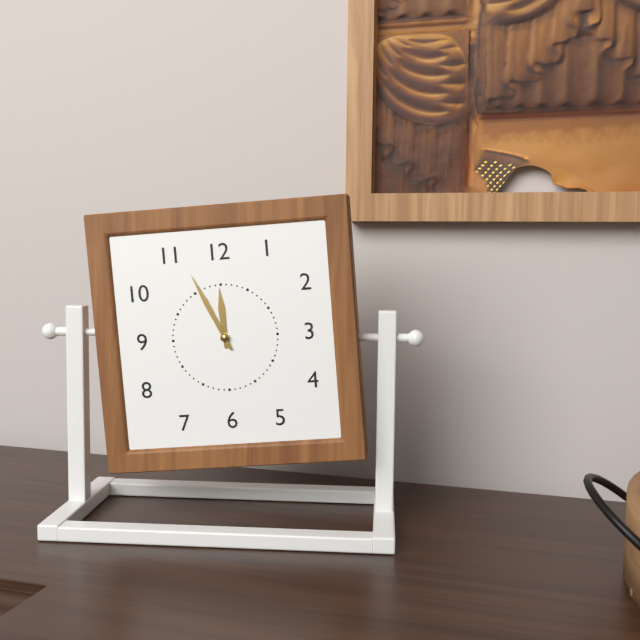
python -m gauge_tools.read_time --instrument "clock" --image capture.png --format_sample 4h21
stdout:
11h56
